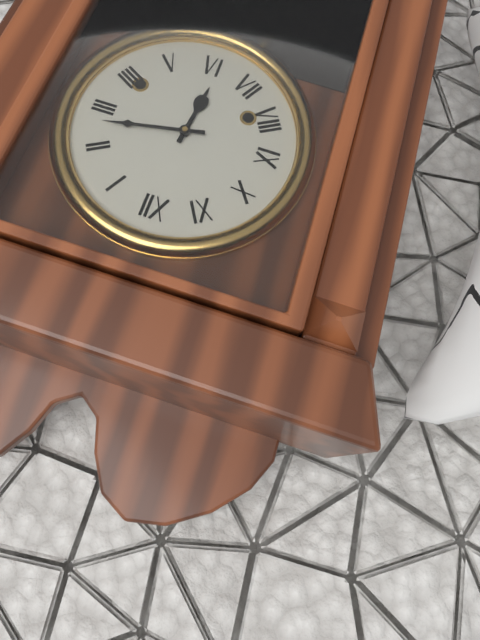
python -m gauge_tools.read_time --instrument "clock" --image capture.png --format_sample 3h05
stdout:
6h13
